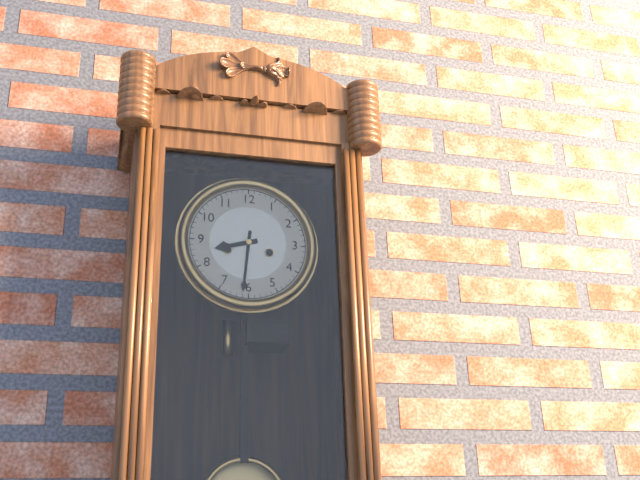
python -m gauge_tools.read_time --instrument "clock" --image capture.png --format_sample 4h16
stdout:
8h31
